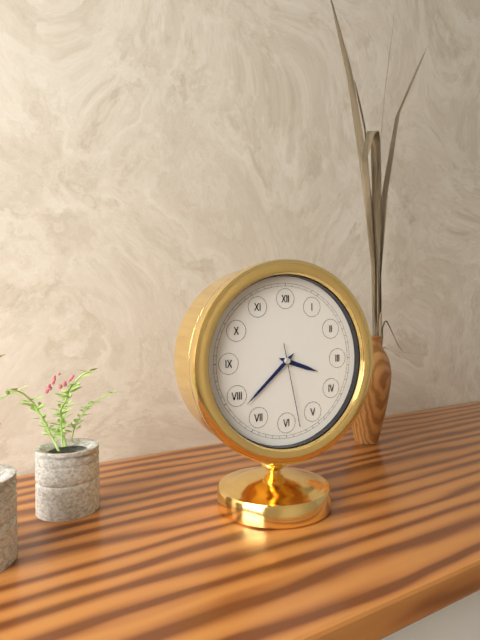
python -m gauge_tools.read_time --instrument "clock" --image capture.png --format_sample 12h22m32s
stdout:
3h38m28s
